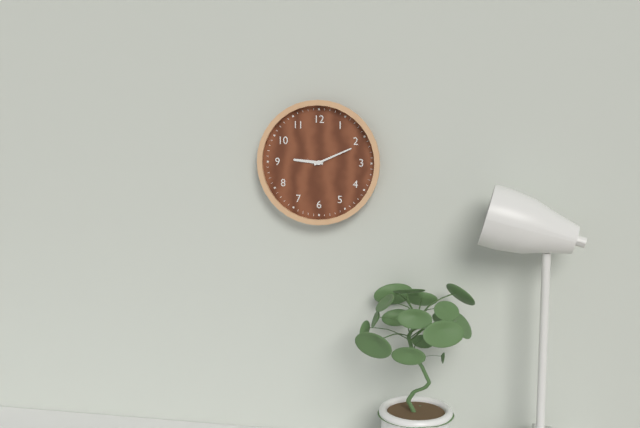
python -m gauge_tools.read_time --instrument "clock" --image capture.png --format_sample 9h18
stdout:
9h11
